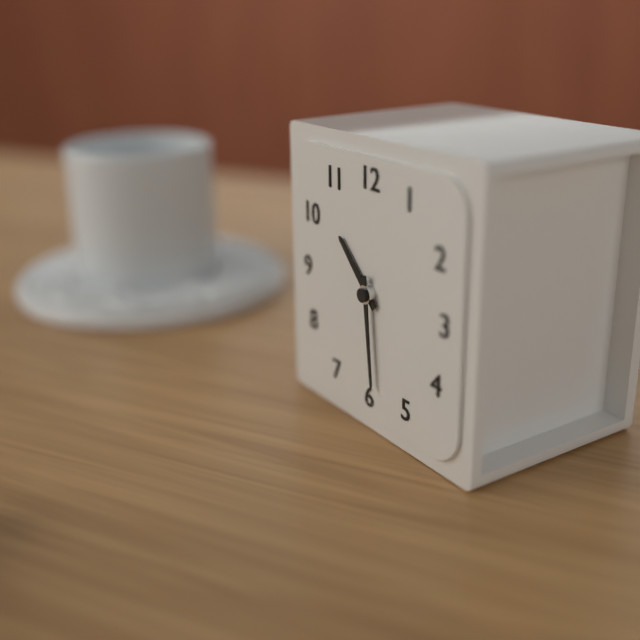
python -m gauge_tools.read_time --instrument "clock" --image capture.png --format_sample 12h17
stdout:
10h29
